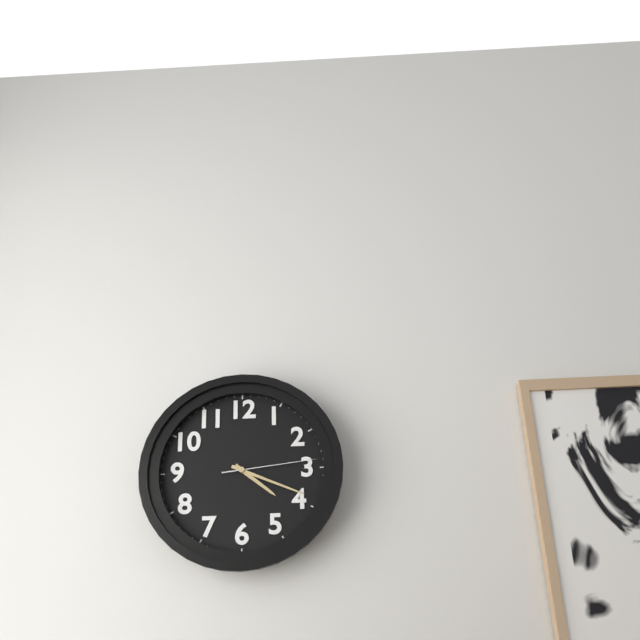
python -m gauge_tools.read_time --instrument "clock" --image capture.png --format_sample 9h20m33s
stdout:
4h19m14s
